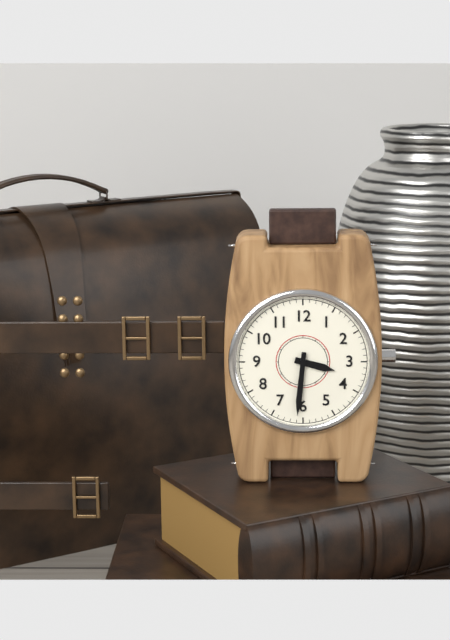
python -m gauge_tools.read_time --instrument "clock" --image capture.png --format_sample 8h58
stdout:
3h31
